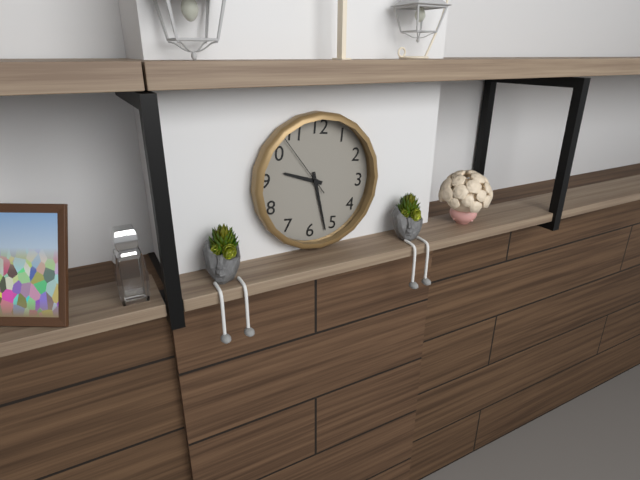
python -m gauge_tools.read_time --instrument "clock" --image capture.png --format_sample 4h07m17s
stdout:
9h27m53s
